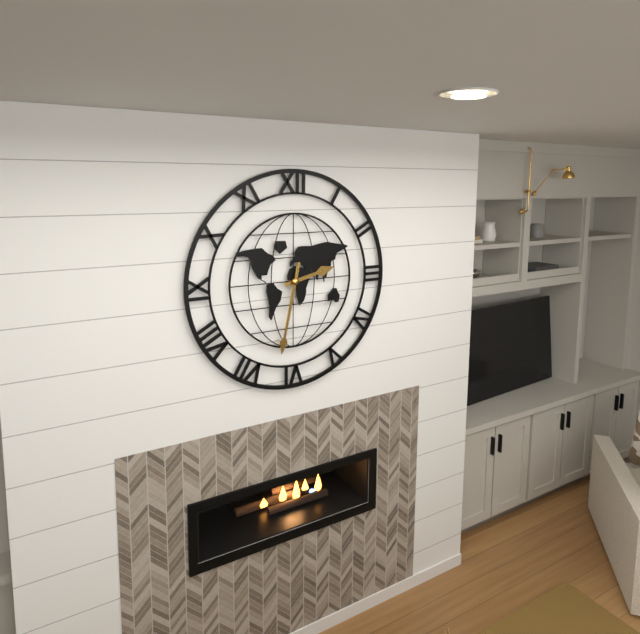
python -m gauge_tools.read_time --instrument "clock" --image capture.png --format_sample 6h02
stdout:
2h32
